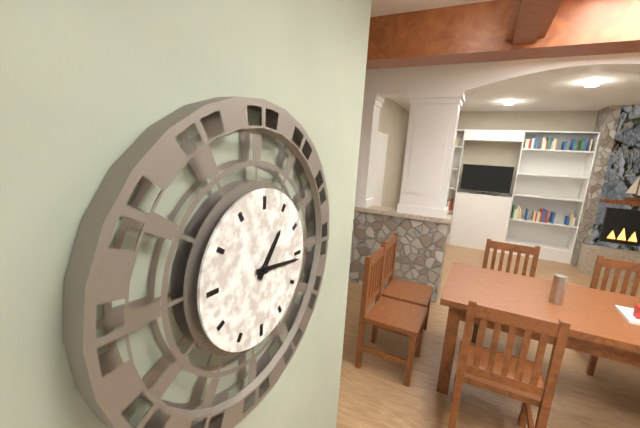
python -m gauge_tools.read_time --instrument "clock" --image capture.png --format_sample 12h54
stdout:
1h16
